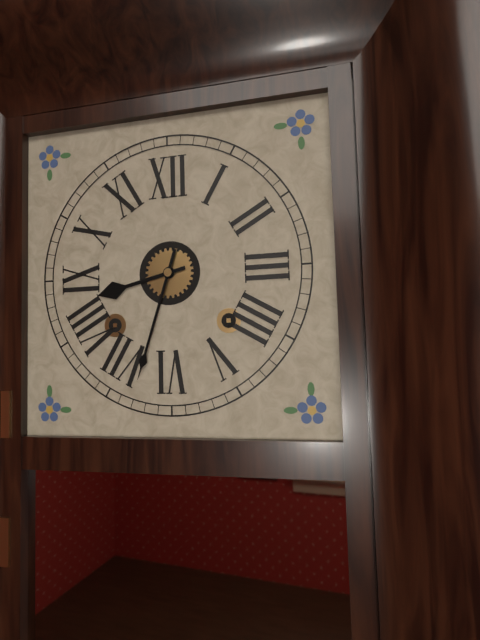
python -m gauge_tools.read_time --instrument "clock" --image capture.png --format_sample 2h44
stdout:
8h33
